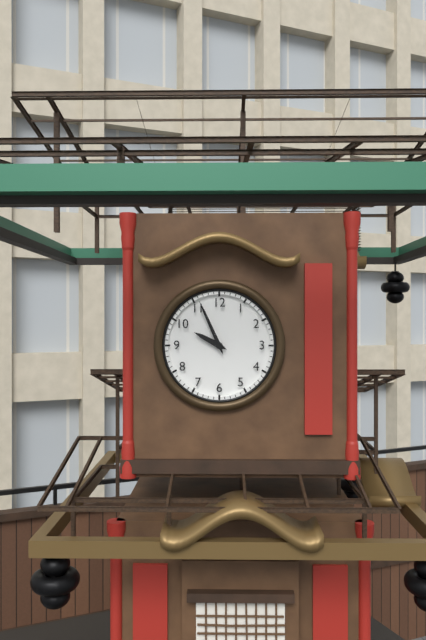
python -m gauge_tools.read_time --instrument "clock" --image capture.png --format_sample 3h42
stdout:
9h56
